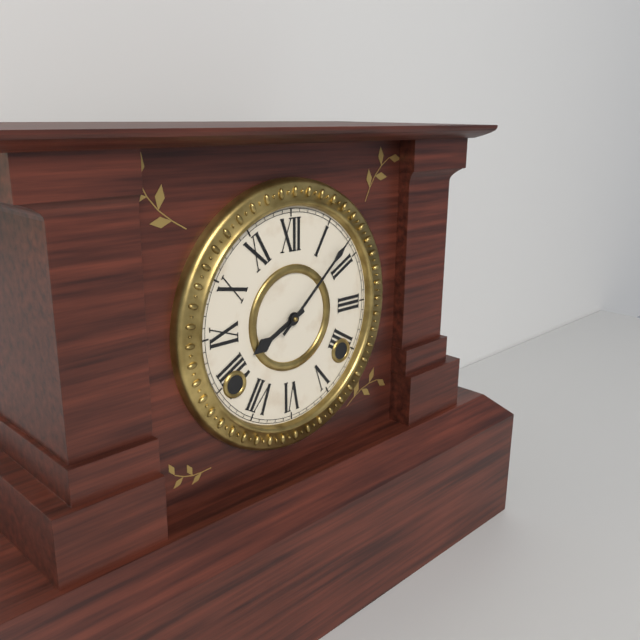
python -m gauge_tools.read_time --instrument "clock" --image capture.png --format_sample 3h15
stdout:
8h08
